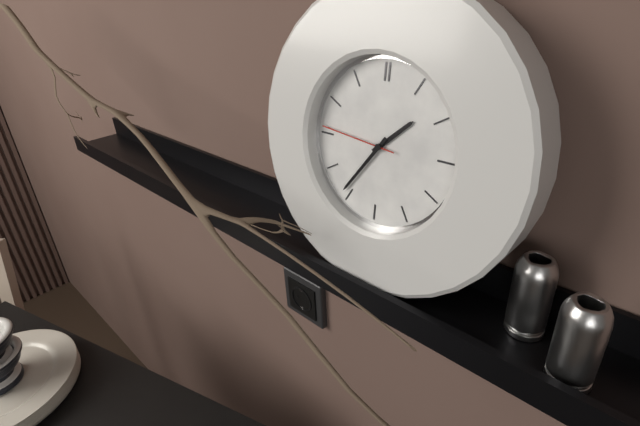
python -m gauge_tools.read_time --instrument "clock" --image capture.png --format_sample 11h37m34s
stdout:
1h36m46s
